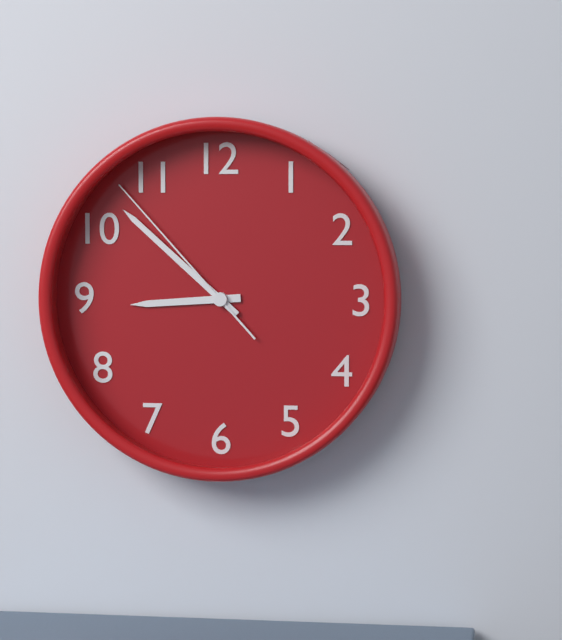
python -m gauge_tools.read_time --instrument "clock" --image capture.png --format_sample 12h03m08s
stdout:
8h52m53s
